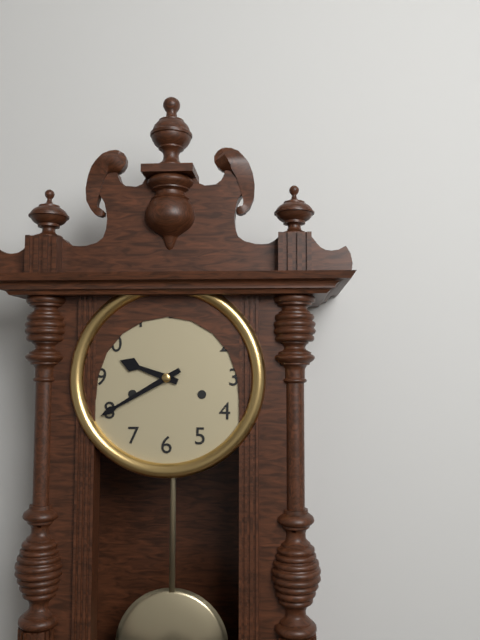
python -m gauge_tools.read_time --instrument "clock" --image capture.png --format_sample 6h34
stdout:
9h40
